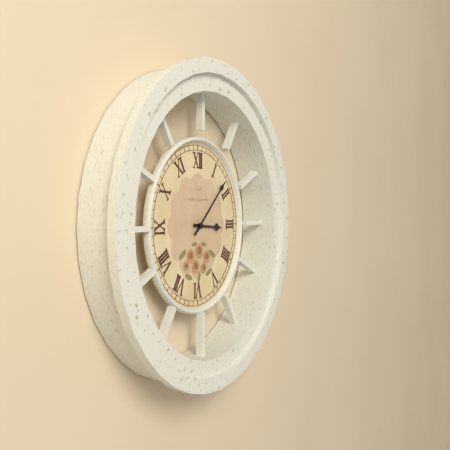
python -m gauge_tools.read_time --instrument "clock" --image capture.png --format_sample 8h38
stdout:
3h08
